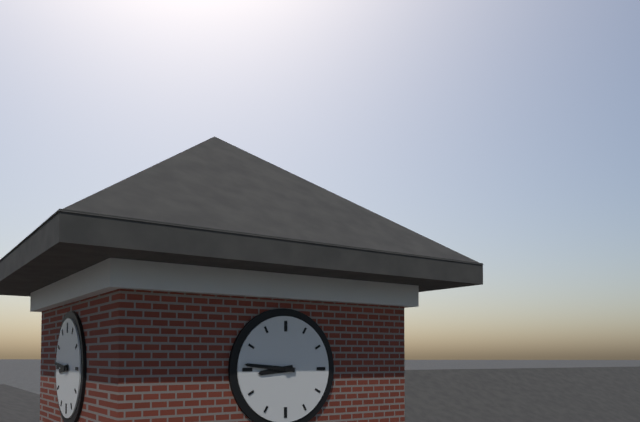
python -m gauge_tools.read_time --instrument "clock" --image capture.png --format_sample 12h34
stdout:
8h46
